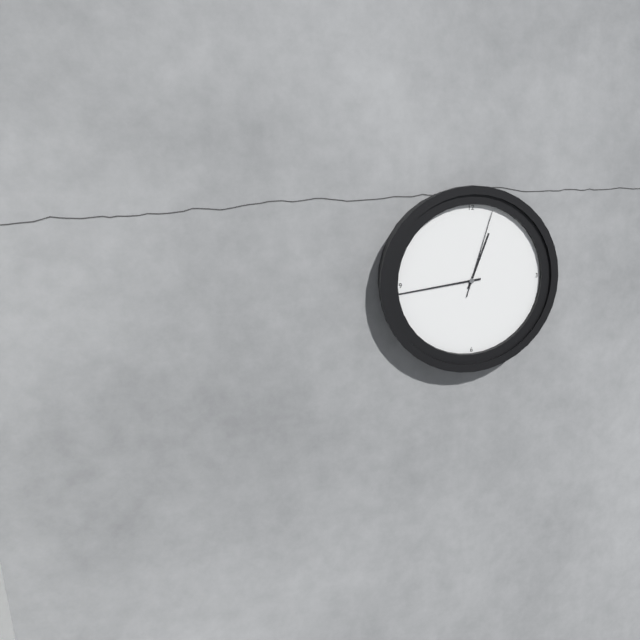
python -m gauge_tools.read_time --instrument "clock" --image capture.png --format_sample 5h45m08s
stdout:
12h44m03s
